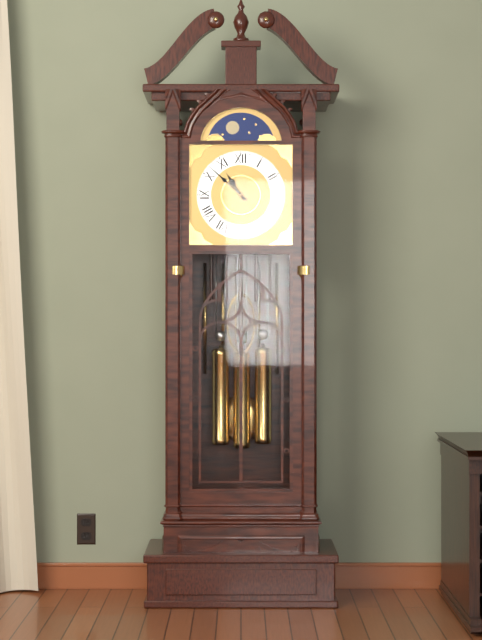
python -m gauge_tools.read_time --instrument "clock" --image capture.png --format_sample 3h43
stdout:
10h52
